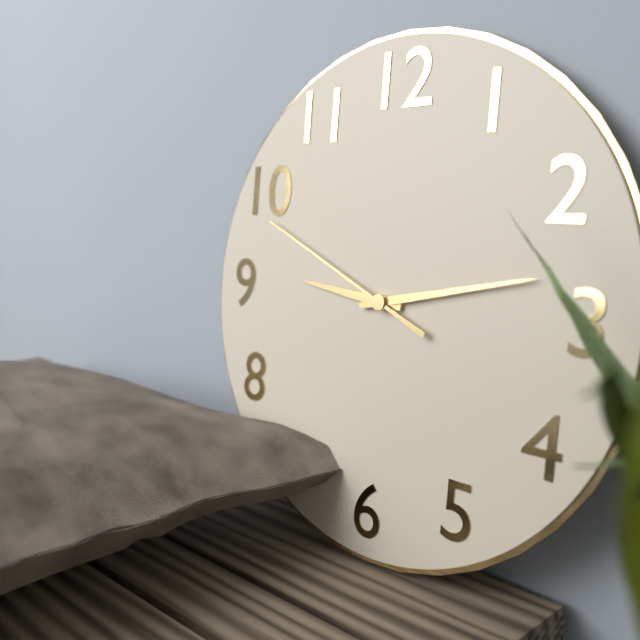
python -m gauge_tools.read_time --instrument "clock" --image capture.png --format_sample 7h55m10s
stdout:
9h13m49s
